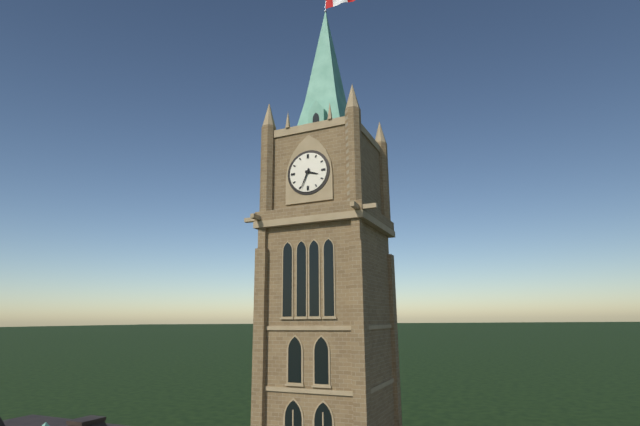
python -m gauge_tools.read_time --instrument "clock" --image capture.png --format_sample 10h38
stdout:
3h34
